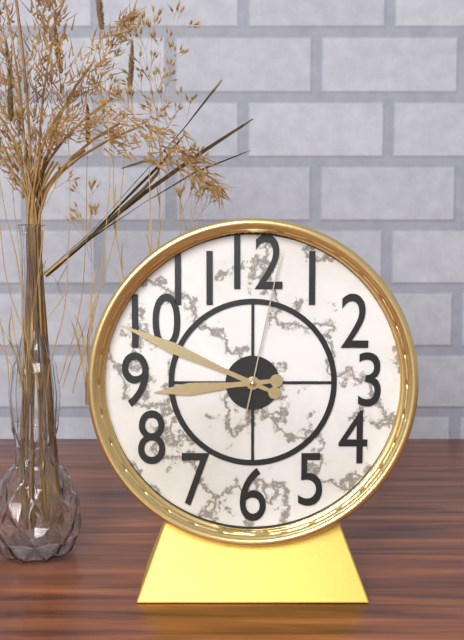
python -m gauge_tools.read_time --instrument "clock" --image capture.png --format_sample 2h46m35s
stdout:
8h49m02s
